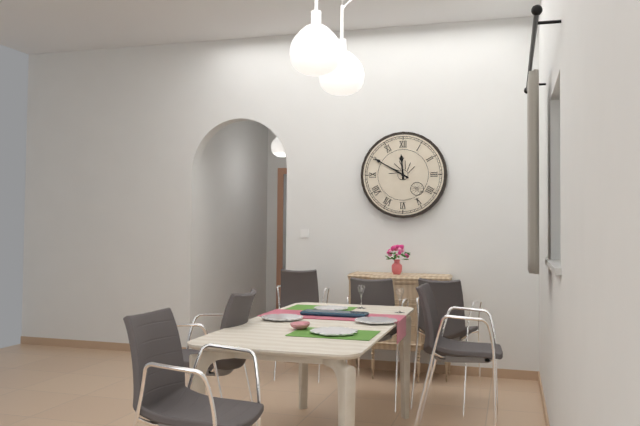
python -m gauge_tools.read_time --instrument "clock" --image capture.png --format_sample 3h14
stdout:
11h50
